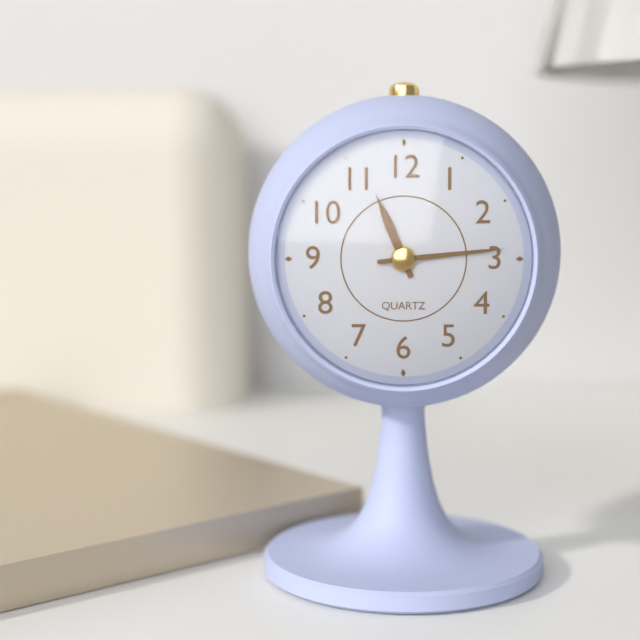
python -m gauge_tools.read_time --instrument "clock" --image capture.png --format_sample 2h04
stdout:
11h14
